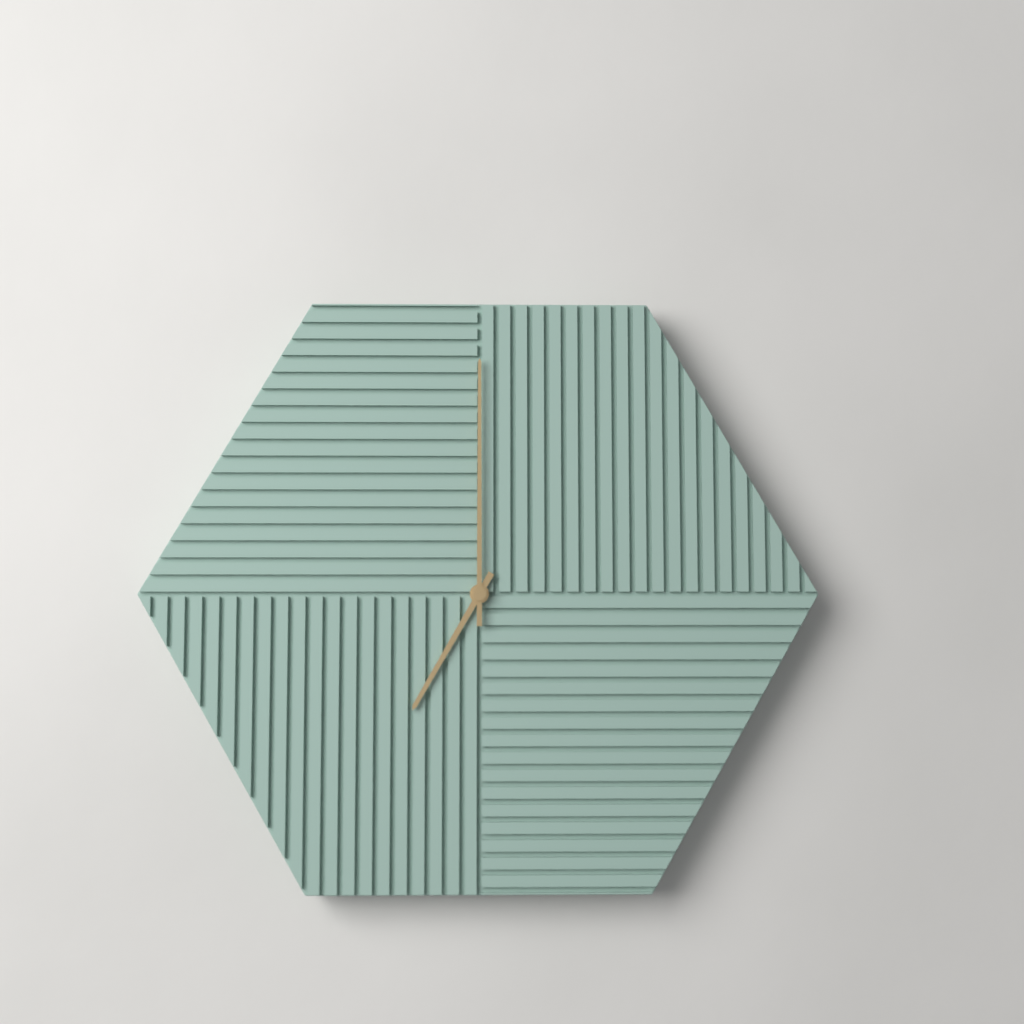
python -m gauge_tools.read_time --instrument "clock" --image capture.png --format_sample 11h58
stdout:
7h00
